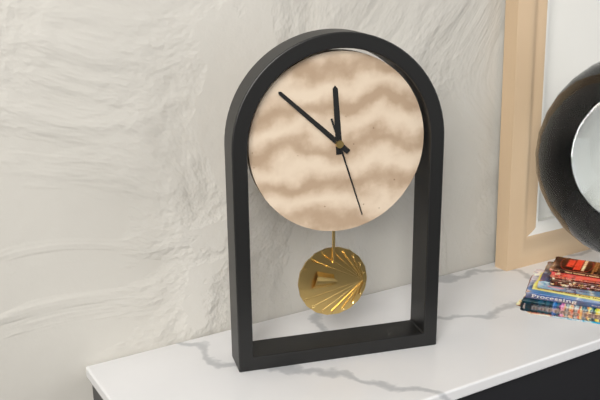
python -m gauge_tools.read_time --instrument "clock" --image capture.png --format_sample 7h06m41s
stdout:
11h52m27s
